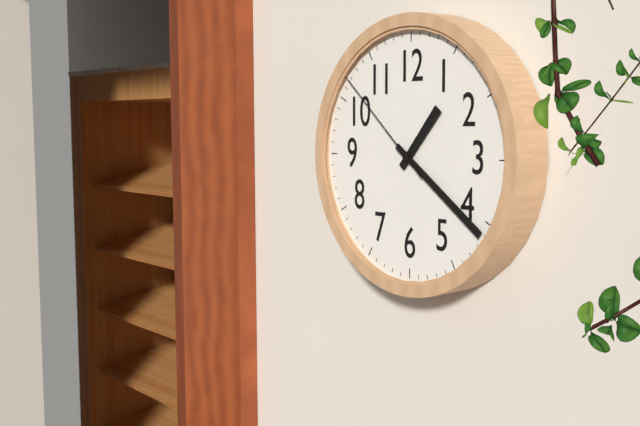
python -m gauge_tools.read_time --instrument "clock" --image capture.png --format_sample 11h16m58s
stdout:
1h21m52s
